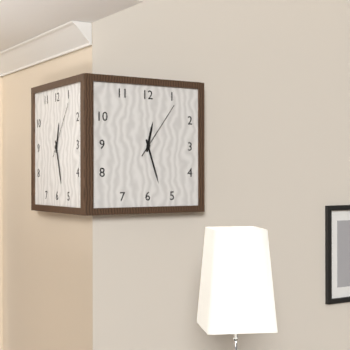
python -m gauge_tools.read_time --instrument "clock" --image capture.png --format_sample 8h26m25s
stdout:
12h27m06s
